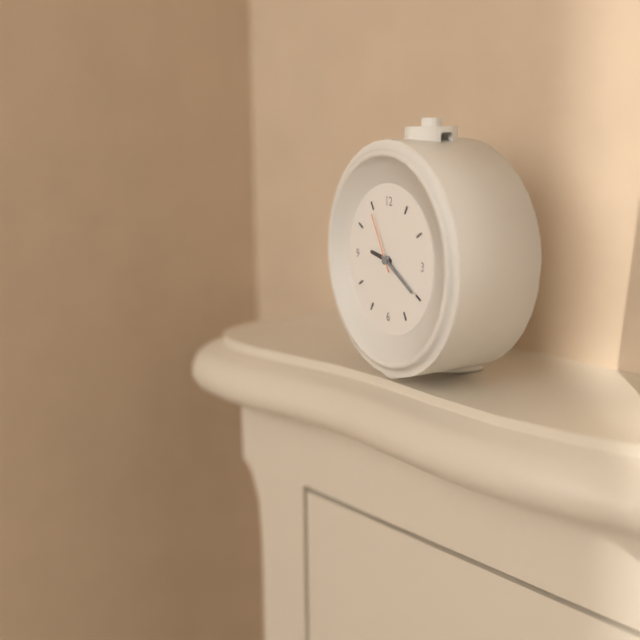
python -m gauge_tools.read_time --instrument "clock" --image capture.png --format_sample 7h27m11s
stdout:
9h20m55s
